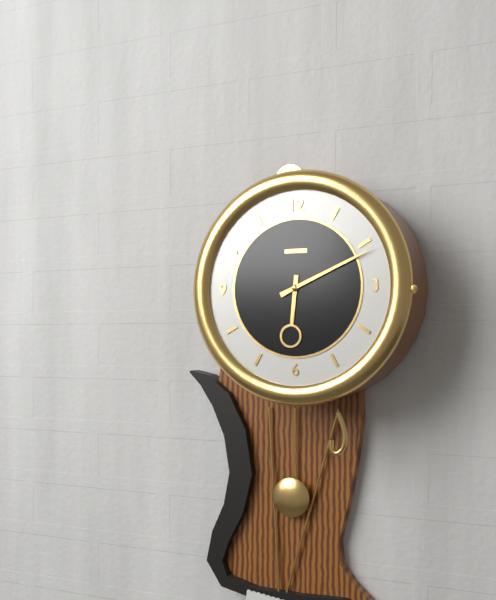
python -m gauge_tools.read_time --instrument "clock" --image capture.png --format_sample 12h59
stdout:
6h11
